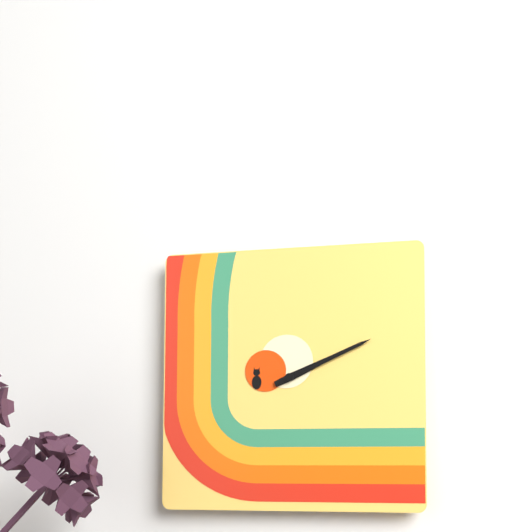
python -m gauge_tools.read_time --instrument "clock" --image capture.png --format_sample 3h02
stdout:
2h11
